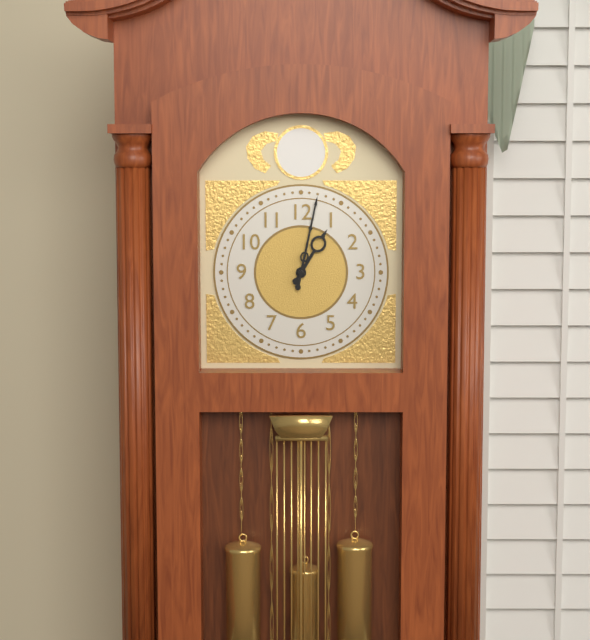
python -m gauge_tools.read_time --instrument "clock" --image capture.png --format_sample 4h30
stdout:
1h02
